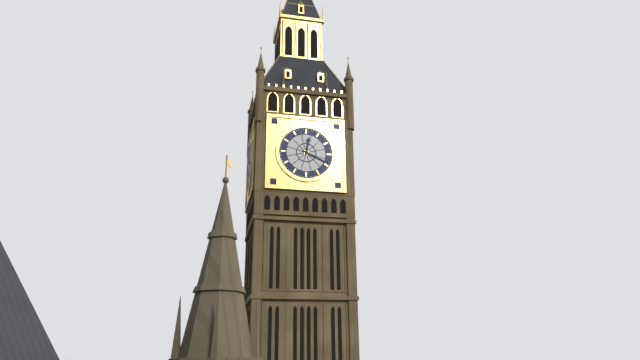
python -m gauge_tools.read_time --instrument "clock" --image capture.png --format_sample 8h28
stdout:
12h19
